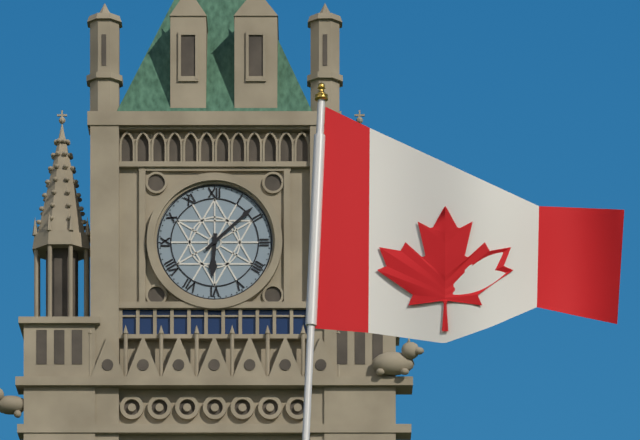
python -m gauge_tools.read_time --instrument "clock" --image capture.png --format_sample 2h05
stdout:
6h08
